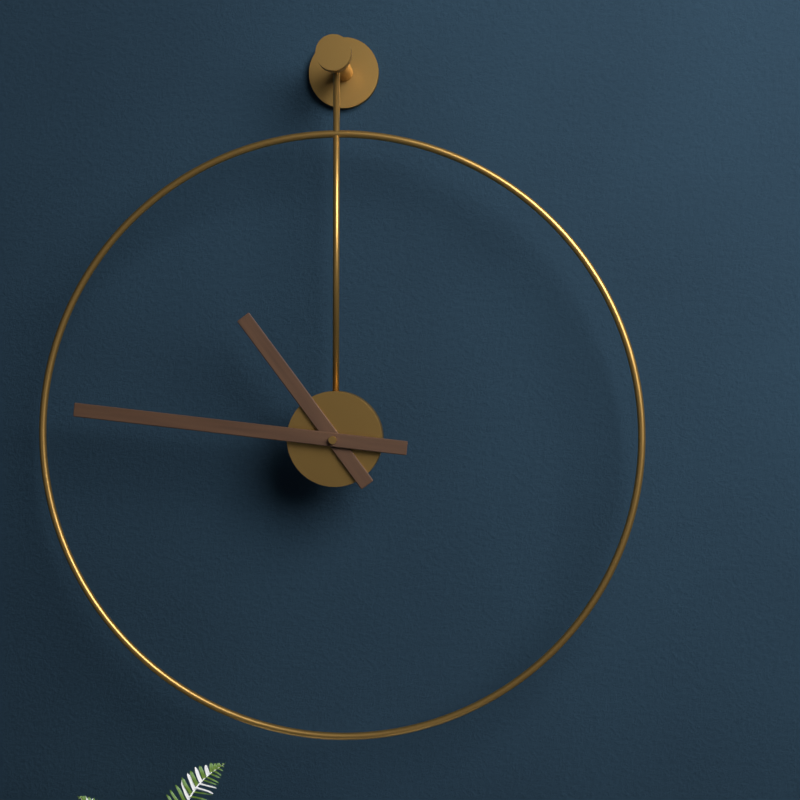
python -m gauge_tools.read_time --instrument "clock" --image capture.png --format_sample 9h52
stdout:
10h46
